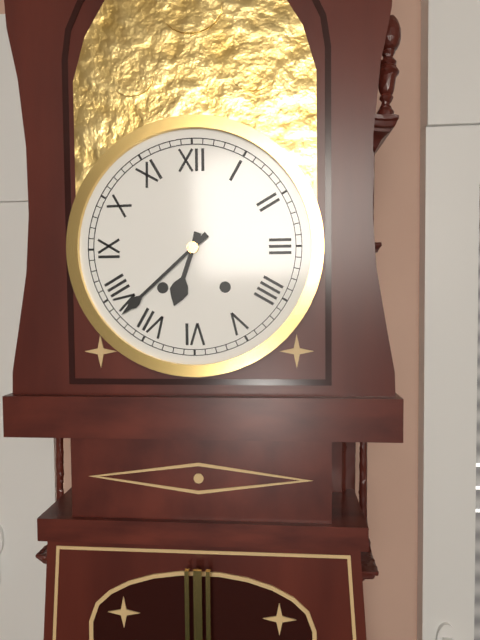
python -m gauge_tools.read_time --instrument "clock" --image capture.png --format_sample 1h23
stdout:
6h38
